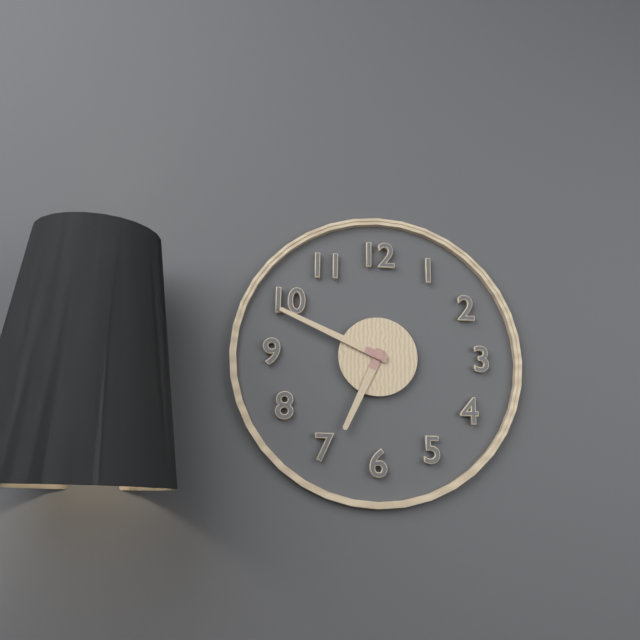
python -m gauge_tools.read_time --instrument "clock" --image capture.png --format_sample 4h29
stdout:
6h49
